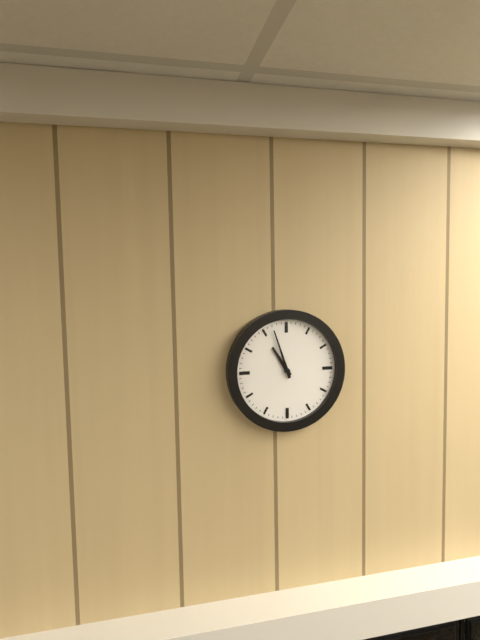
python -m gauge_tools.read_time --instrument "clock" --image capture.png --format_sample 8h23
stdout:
10h57
